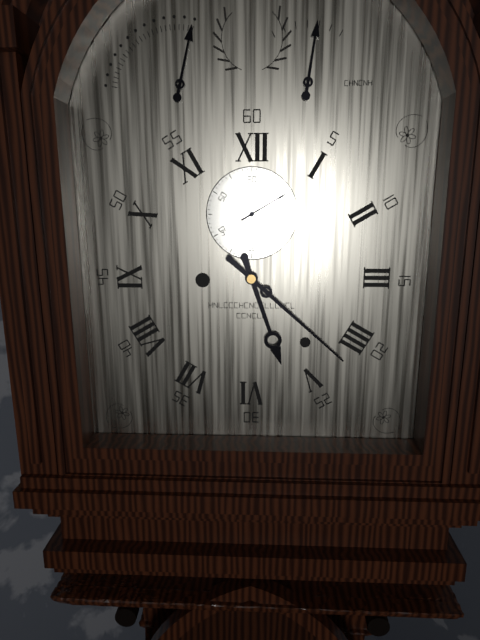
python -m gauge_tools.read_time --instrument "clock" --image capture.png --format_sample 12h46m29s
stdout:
5h22m10s
